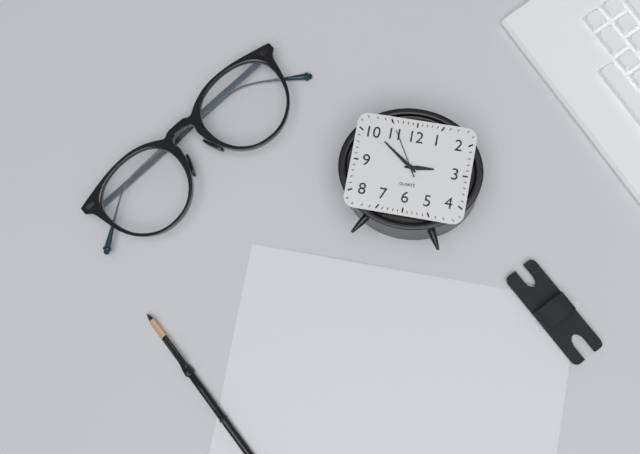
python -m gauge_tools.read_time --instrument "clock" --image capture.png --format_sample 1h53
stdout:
2h51
